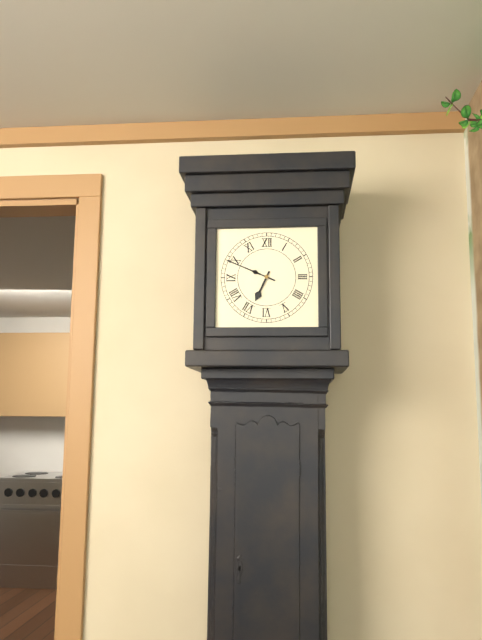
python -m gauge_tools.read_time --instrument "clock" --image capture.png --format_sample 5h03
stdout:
6h49
